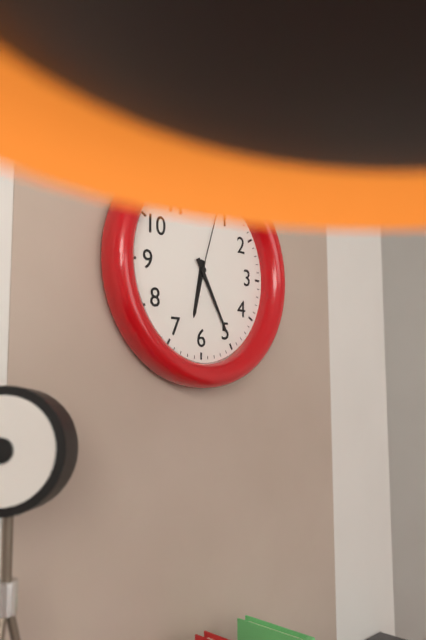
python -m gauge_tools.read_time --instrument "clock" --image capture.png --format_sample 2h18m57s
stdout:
6h25m03s
